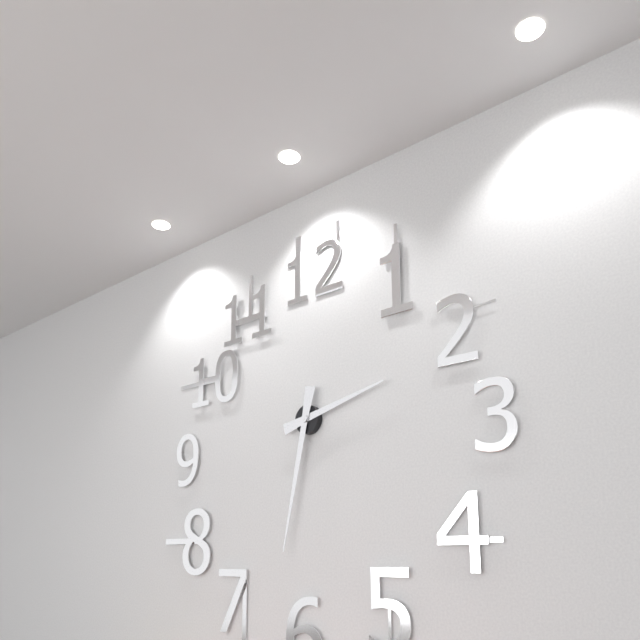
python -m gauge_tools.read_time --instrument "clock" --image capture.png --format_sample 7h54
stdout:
2h32
